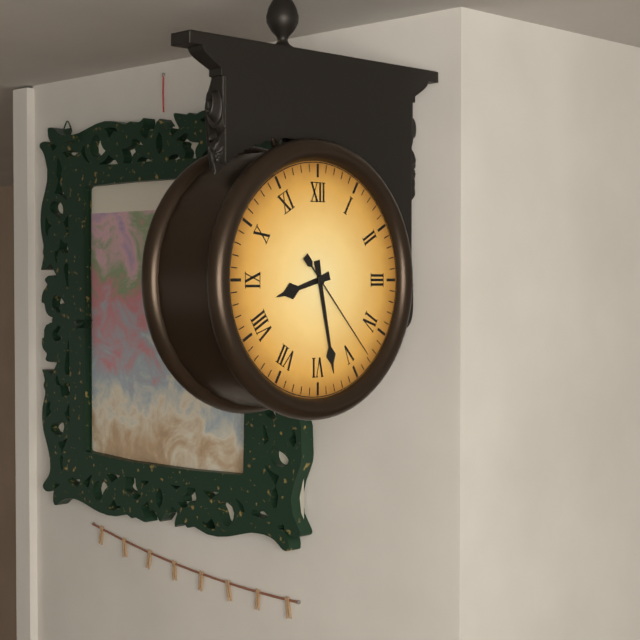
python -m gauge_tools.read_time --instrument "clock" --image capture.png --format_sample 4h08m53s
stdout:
8h28m23s
